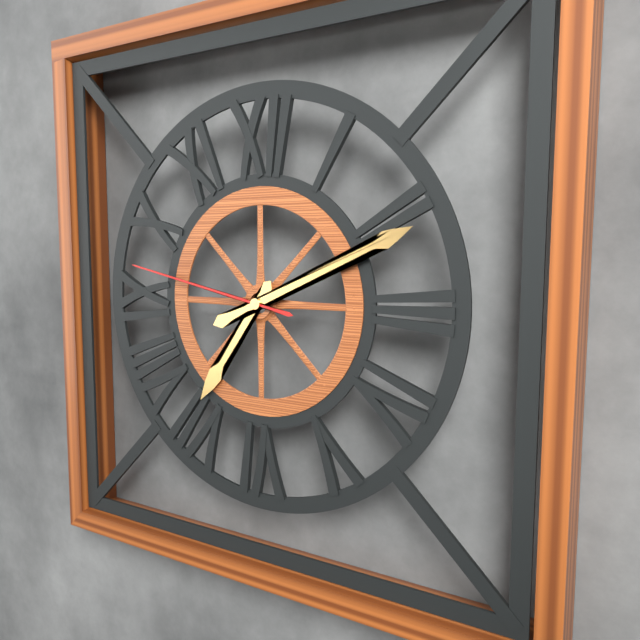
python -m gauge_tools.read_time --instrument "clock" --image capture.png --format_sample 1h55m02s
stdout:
7h11m47s
